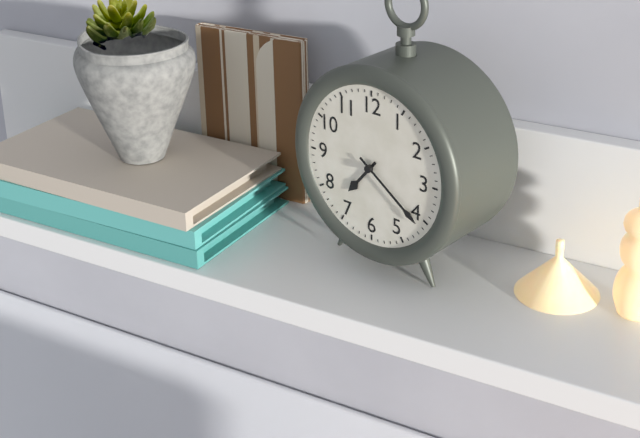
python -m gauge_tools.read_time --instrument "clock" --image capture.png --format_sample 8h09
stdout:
7h21
